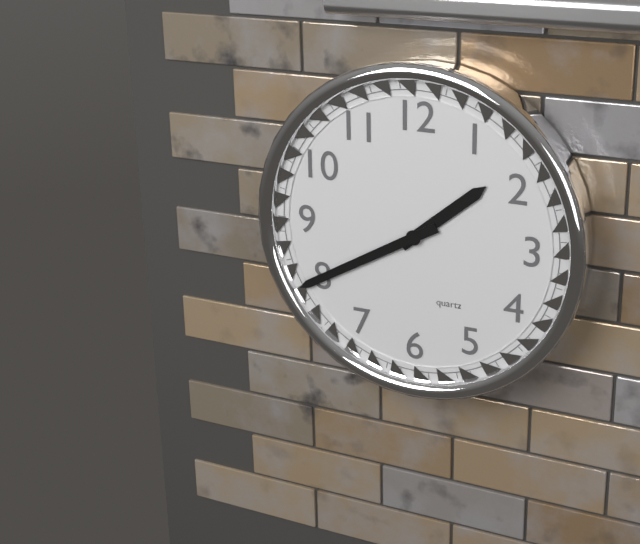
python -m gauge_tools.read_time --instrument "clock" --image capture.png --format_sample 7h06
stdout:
1h40
